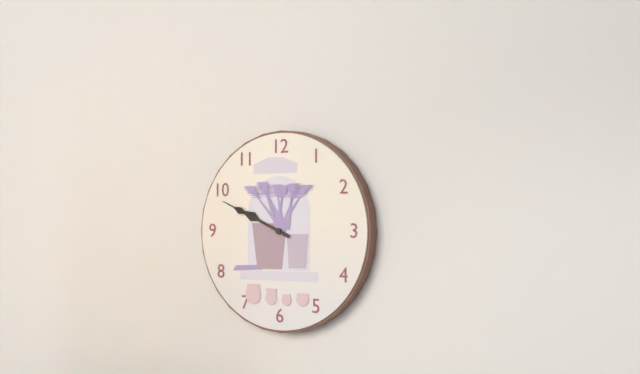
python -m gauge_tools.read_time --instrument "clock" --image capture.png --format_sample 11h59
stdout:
9h49
